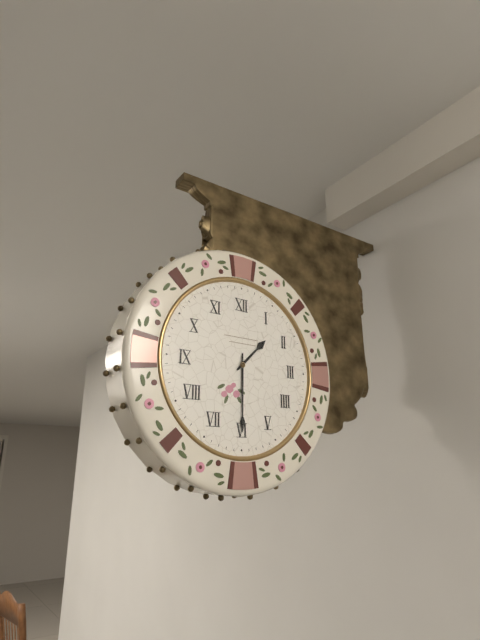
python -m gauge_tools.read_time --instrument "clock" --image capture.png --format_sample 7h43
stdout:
1h30
